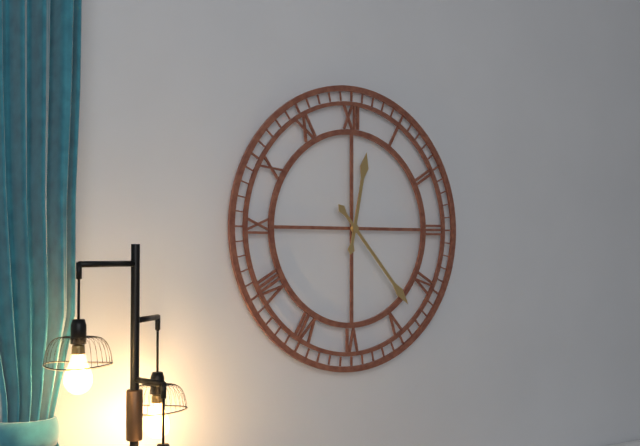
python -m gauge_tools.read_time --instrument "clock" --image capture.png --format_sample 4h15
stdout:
12h23
